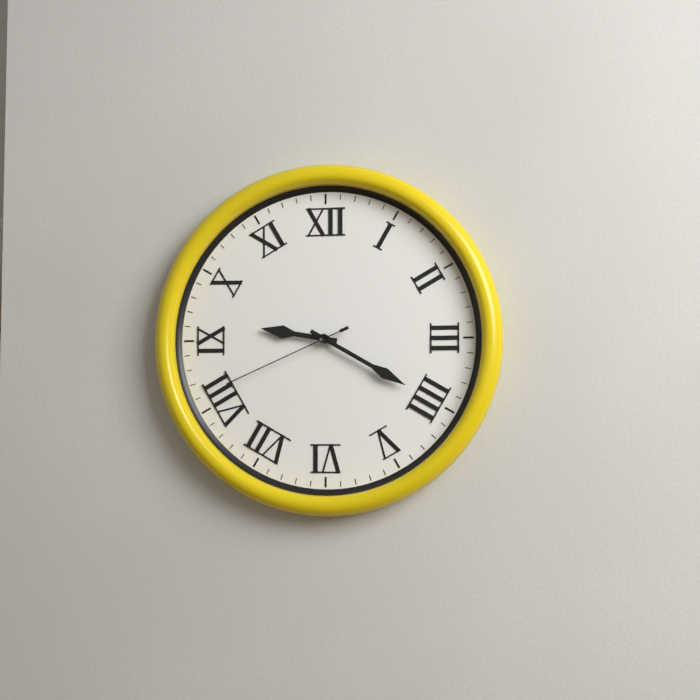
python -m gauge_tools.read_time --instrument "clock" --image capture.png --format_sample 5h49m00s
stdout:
9h20m41s
